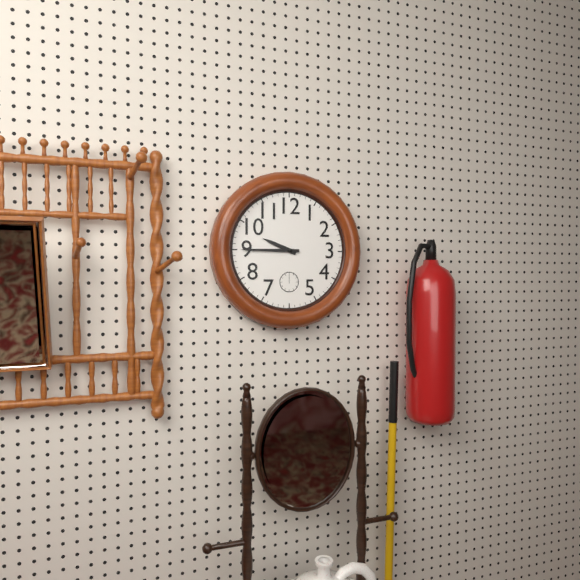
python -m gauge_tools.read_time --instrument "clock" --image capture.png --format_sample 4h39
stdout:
9h45
